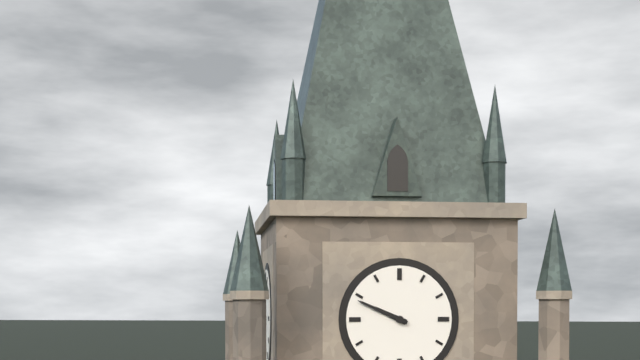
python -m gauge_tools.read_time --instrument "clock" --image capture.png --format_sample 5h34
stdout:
9h49
